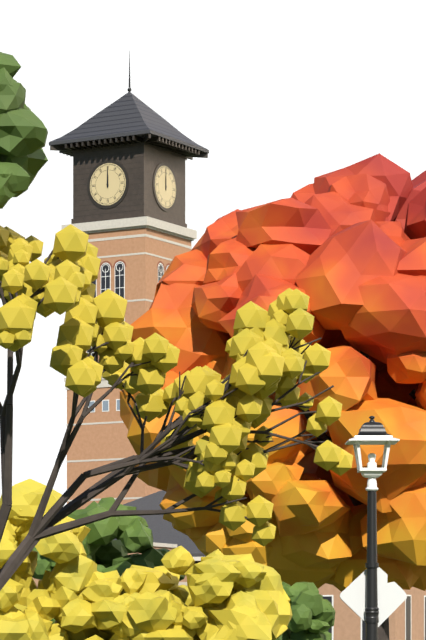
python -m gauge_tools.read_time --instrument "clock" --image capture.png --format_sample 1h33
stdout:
12h00
